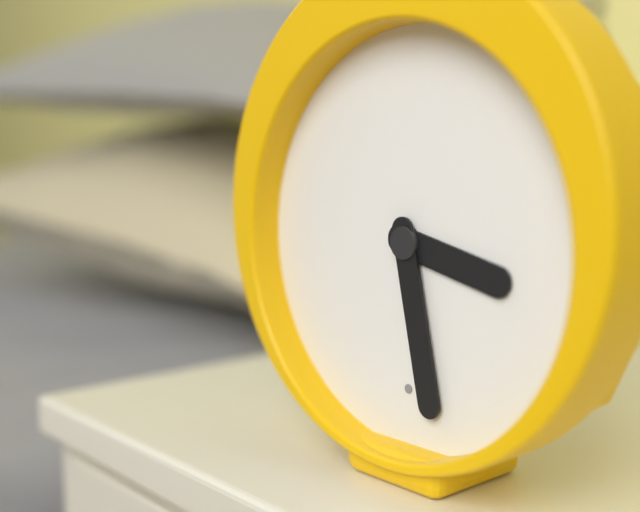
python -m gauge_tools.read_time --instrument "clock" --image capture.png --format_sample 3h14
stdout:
3h28
